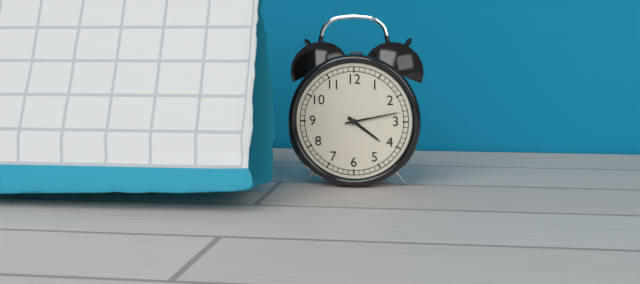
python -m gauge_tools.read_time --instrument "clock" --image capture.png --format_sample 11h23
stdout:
4h13
